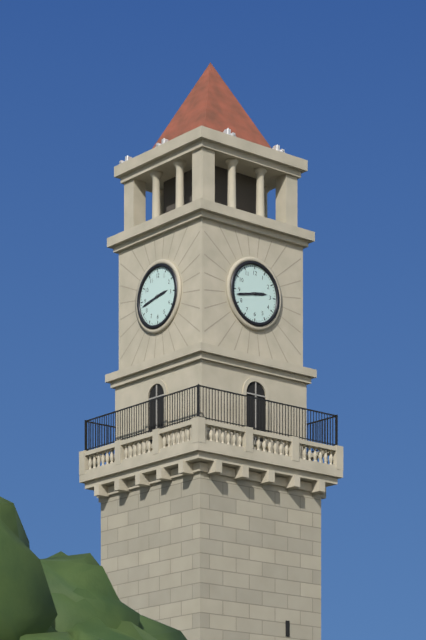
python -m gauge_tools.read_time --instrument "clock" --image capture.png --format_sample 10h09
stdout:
2h43
